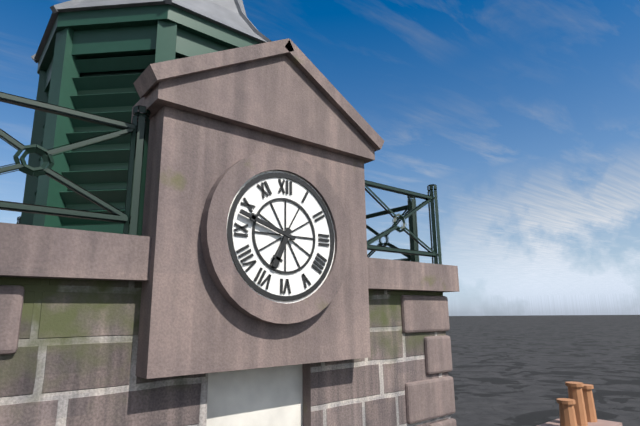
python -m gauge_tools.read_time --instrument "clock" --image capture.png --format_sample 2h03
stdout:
6h48
